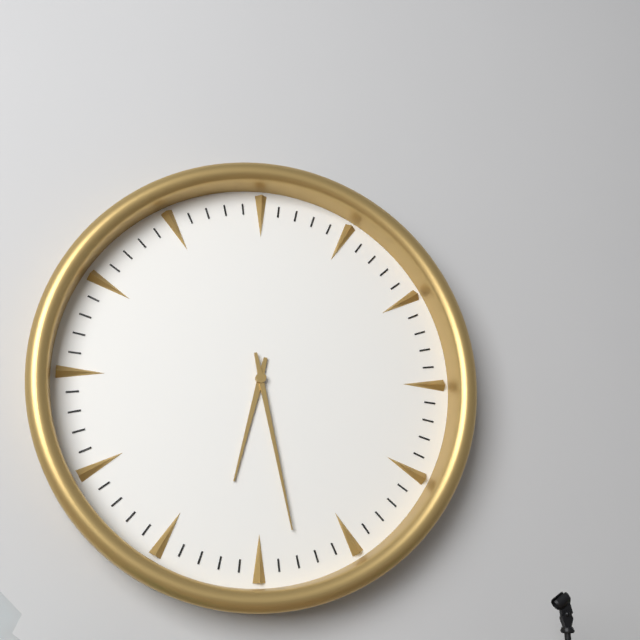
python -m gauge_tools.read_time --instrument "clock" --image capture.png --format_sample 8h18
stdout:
6h28
